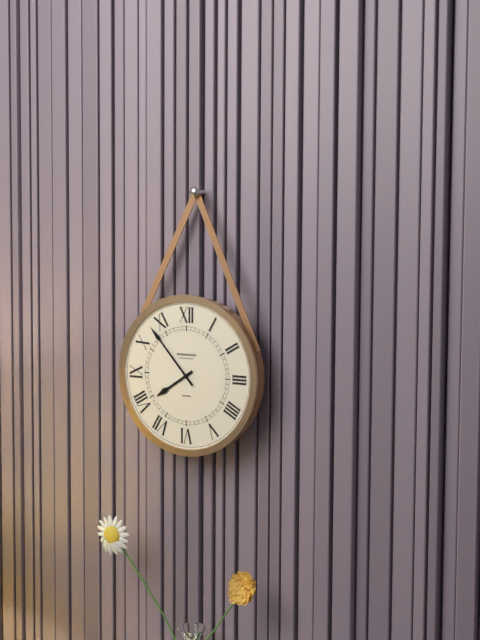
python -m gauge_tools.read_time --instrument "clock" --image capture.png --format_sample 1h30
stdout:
7h53
